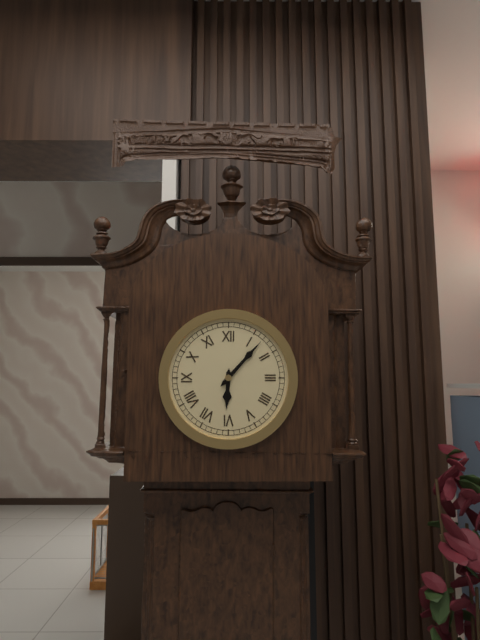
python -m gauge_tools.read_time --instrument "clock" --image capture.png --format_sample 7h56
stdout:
6h07
